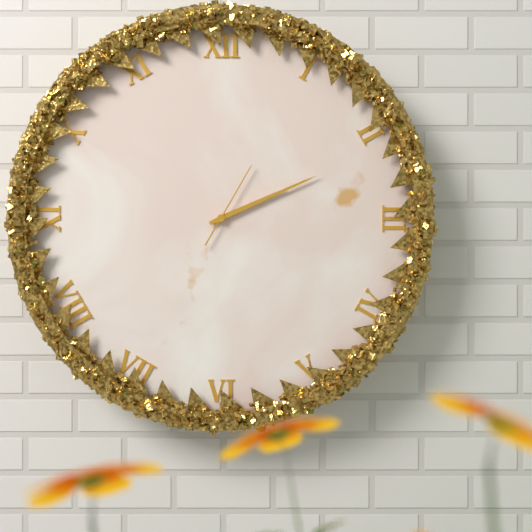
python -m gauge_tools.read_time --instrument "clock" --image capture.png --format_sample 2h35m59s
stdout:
2h11m05s
